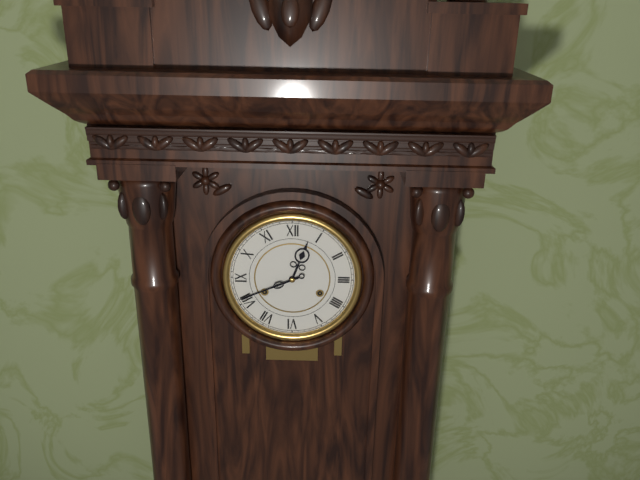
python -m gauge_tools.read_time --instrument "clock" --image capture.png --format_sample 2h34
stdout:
12h41
